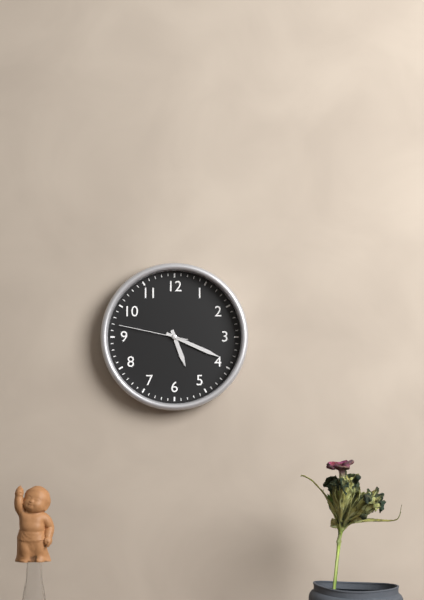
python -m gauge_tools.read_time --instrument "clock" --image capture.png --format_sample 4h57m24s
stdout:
5h19m47s
